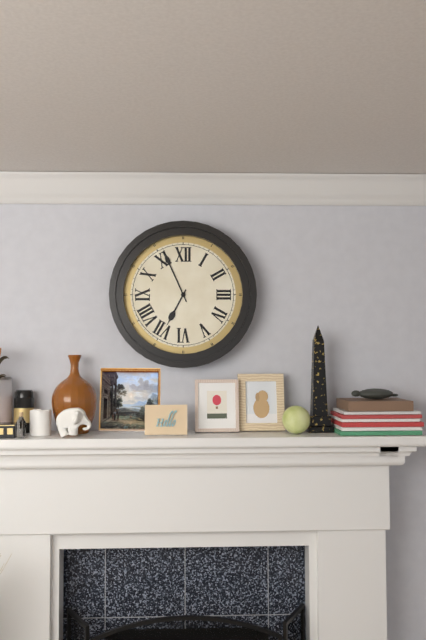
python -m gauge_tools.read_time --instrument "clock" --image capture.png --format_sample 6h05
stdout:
6h56
